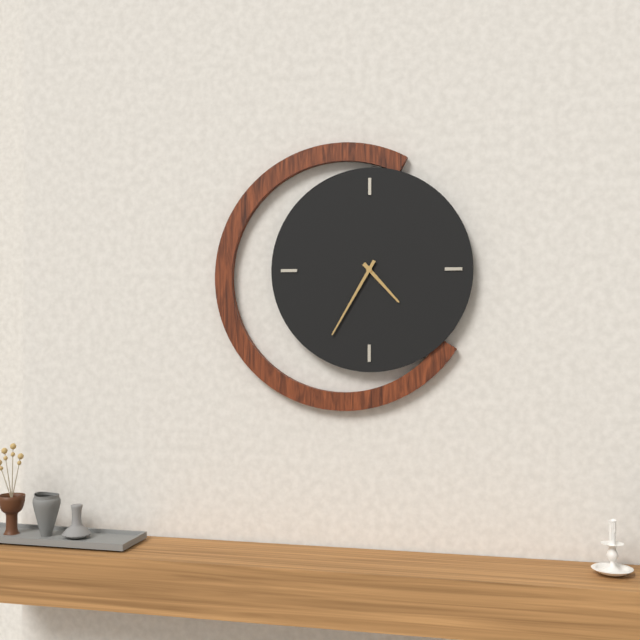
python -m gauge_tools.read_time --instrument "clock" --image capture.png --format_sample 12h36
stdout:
4h35
